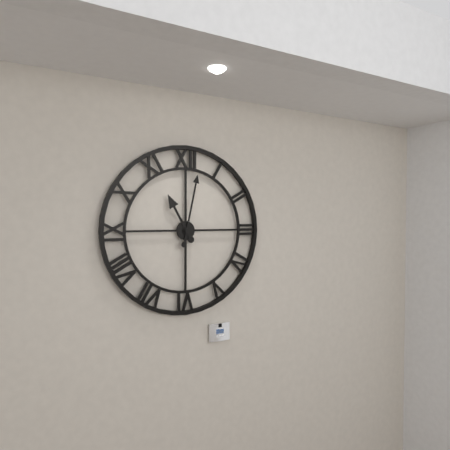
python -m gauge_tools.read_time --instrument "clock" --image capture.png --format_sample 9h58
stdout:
11h02
